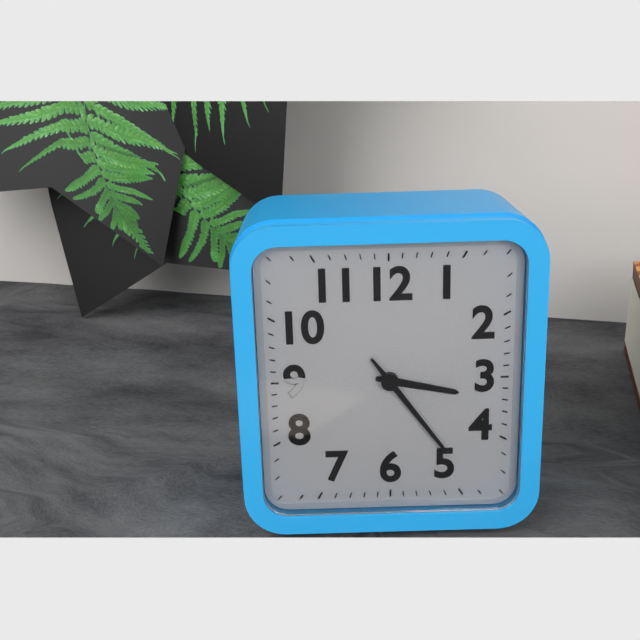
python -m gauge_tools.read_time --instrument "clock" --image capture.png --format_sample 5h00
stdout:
3h24
